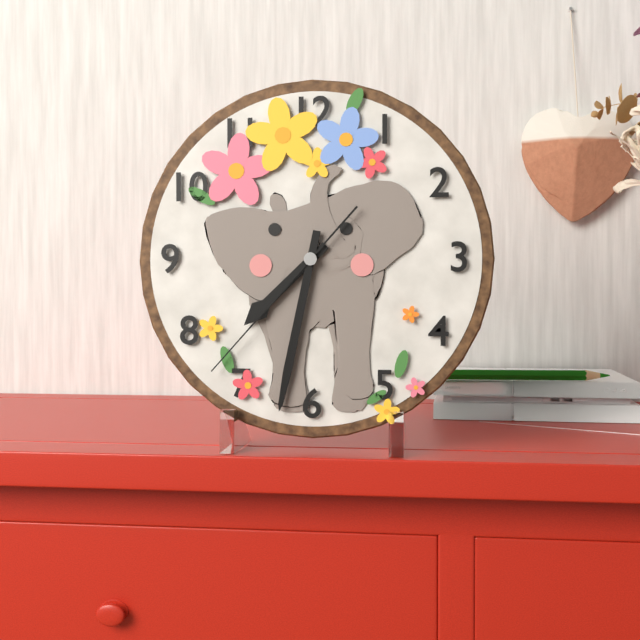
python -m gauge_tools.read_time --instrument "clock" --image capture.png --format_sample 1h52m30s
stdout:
7h32m37s
